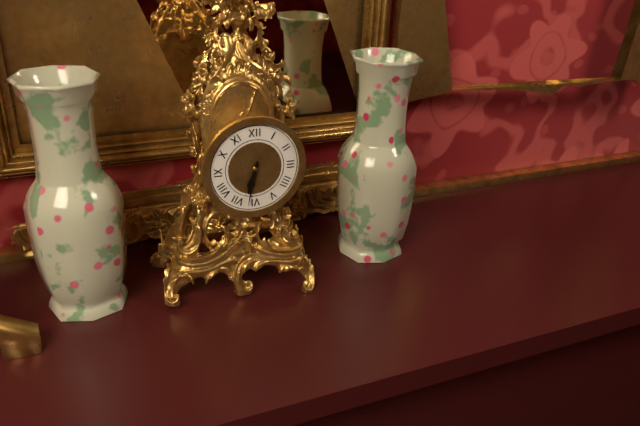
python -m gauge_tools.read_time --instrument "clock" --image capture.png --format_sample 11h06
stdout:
6h32
